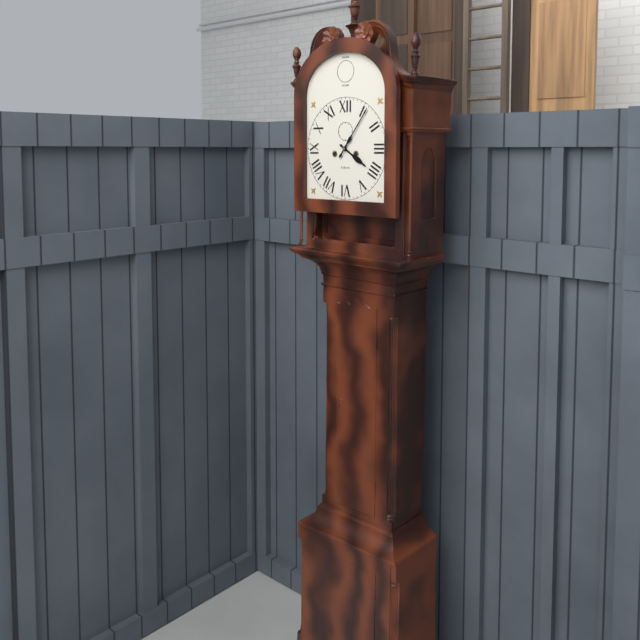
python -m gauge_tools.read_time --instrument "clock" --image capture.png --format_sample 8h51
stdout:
4h06
